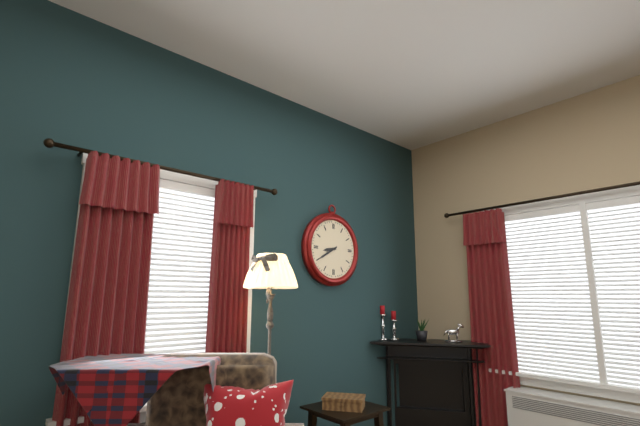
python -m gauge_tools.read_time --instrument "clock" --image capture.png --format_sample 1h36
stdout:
8h40
